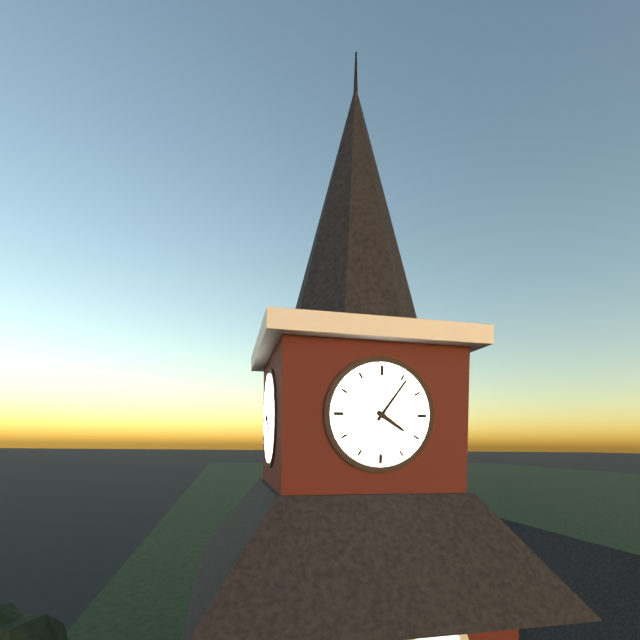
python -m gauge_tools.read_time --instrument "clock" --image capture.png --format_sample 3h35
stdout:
4h06
